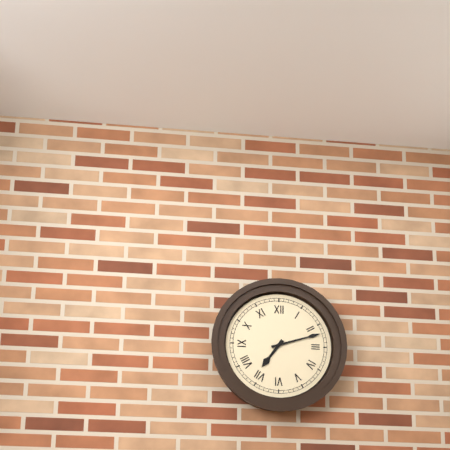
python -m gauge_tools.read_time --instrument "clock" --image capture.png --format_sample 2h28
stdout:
7h12
